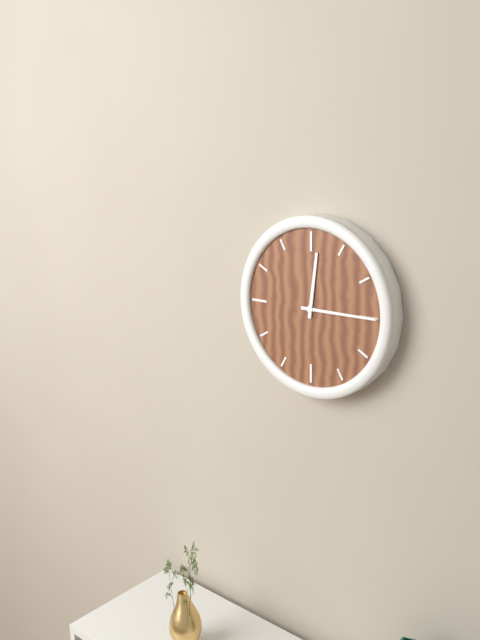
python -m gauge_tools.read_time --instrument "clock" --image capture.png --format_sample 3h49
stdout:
12h15
